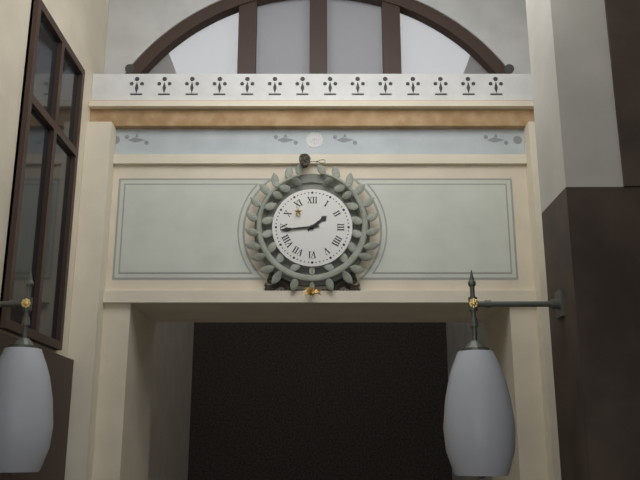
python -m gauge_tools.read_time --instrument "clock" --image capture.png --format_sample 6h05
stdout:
1h44
